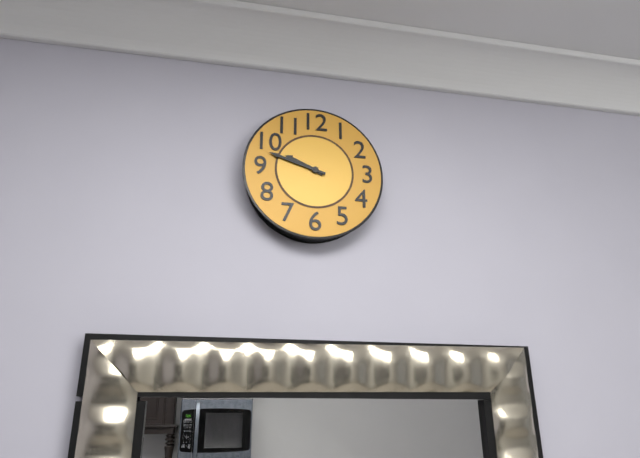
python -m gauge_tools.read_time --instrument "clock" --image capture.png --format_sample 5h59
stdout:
9h48
